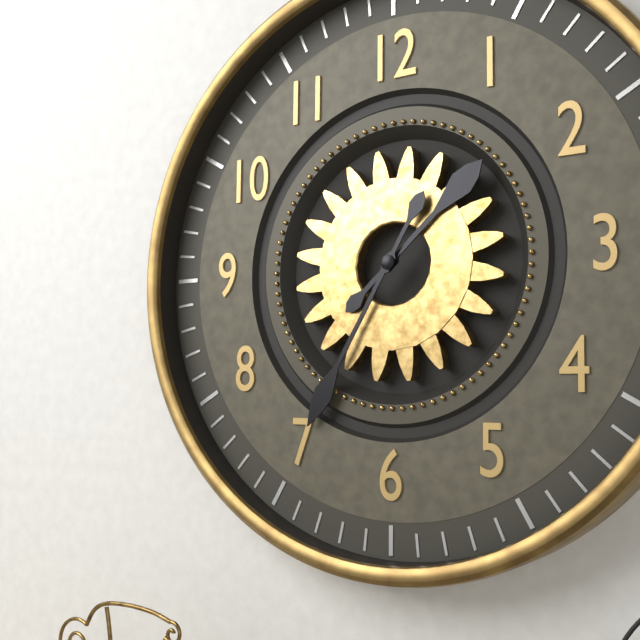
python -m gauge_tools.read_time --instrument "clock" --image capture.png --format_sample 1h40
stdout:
1h35
